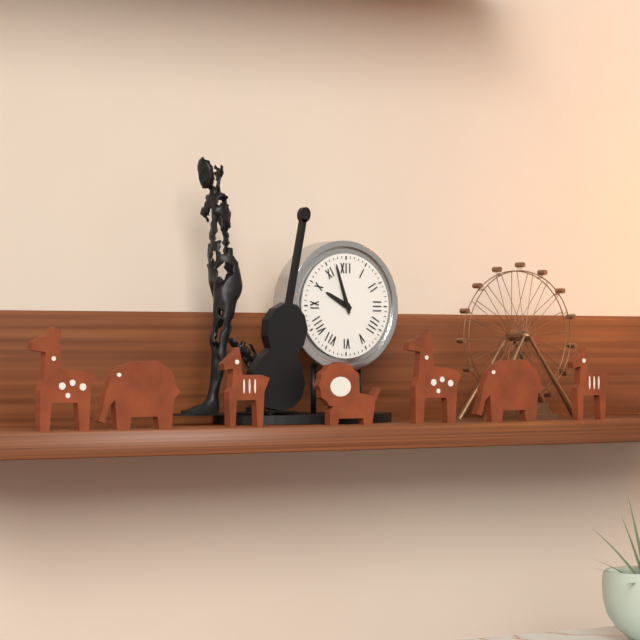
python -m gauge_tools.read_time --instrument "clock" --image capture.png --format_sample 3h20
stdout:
9h57
